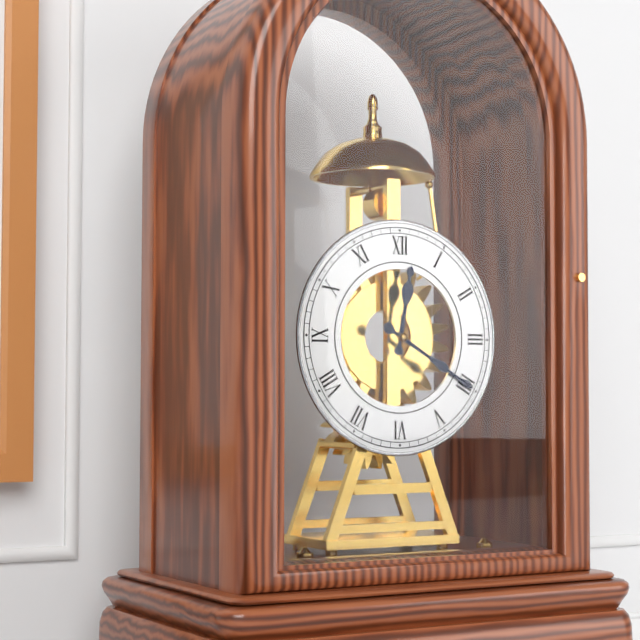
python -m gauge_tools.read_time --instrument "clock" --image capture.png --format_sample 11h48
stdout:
12h20
